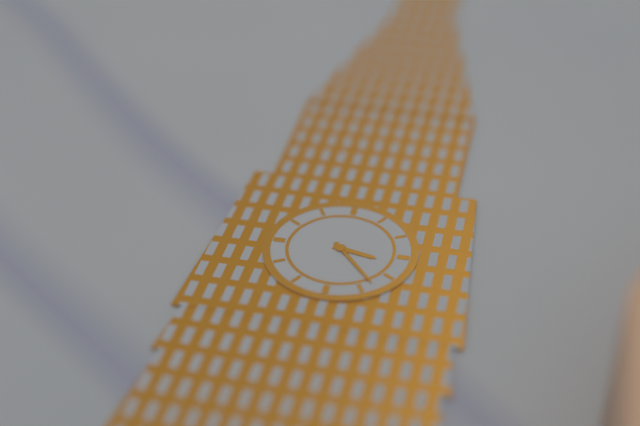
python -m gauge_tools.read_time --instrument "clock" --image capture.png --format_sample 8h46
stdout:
3h23
